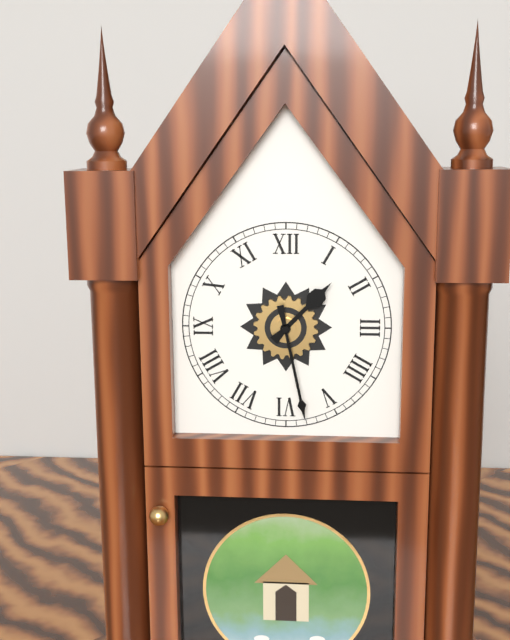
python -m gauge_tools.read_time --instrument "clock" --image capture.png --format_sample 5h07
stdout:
1h28
